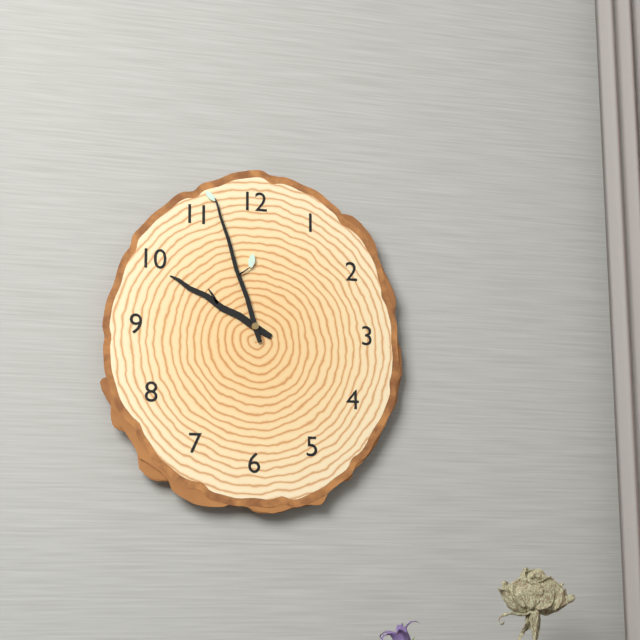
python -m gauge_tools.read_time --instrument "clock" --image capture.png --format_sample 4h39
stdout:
9h57
